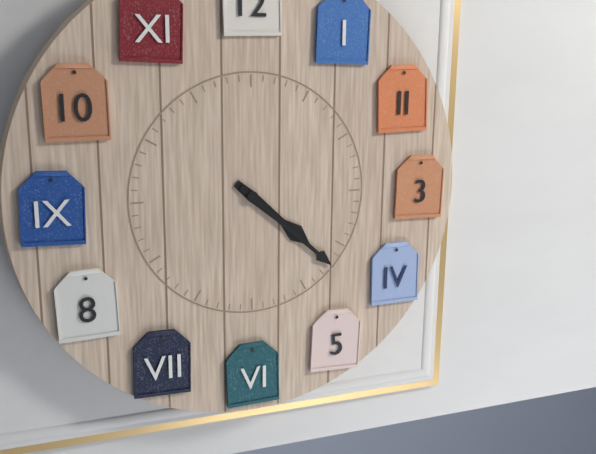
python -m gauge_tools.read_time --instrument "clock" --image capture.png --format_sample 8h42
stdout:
4h22
